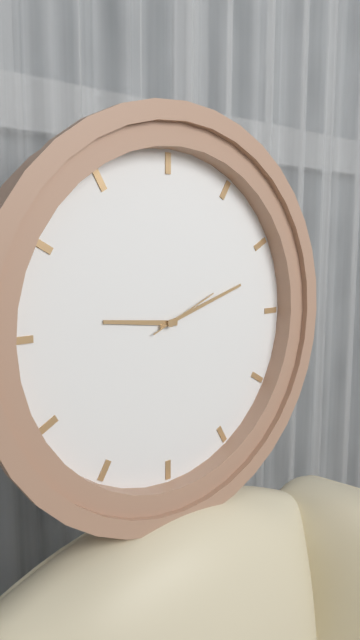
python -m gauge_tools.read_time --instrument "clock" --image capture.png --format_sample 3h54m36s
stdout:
9h12m11s
